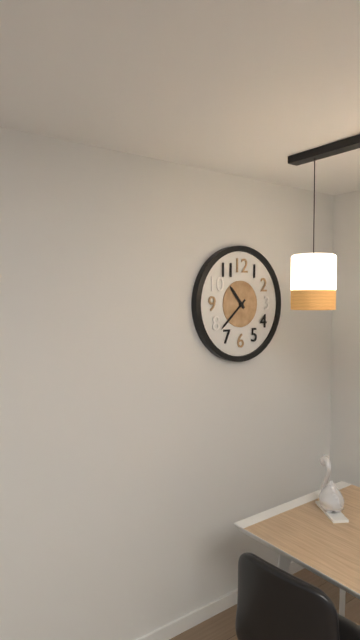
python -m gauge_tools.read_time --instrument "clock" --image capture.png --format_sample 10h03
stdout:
10h38
